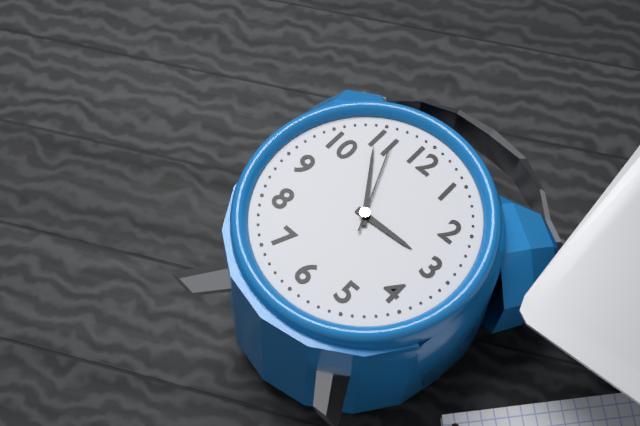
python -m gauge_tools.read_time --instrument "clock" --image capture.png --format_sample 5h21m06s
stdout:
2h54m56s
